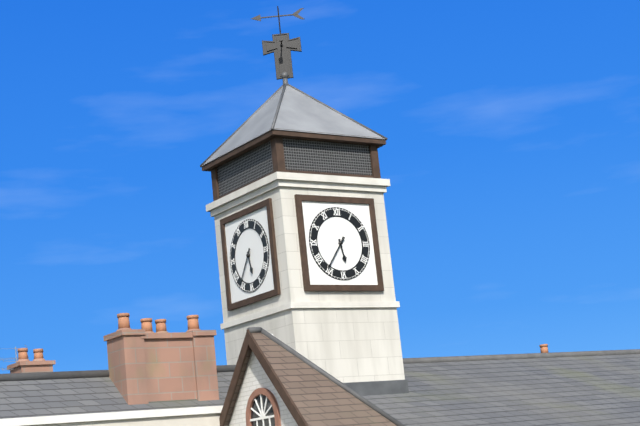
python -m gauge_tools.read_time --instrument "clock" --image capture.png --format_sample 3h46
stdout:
5h36
